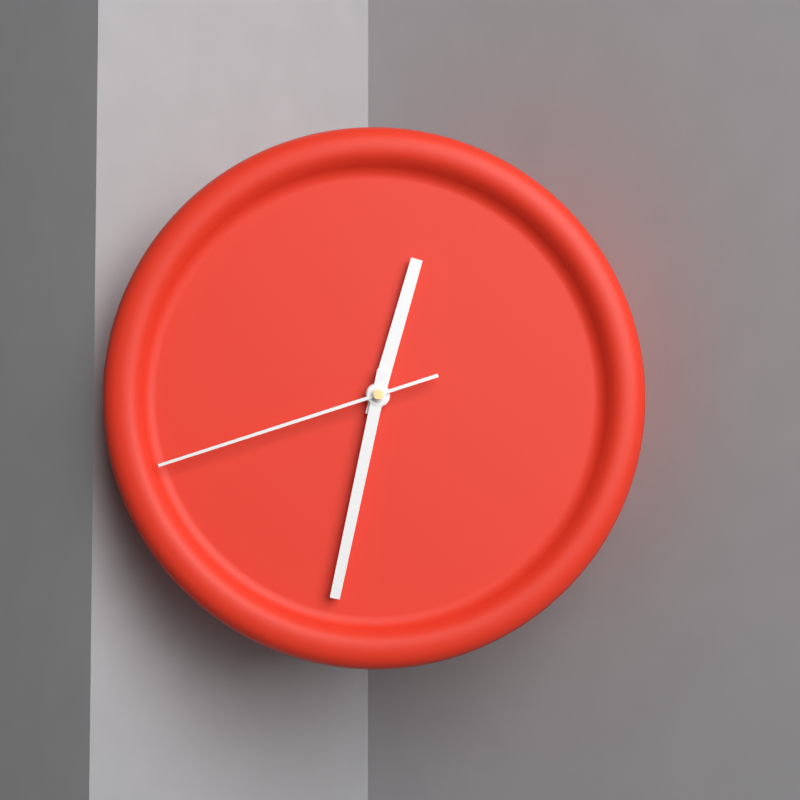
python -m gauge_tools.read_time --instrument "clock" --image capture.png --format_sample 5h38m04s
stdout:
12h32m42s
